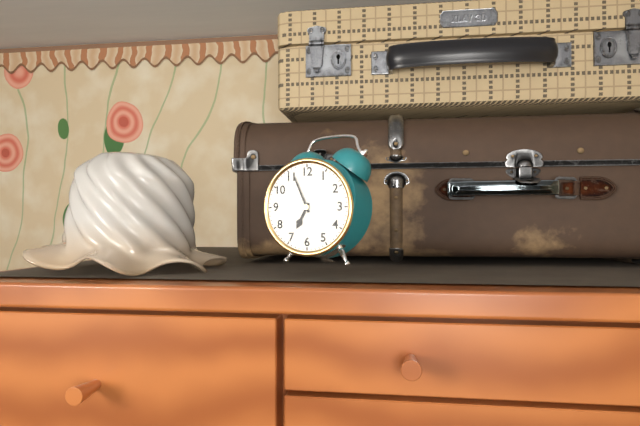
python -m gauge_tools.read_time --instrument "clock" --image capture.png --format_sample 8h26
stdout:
6h56
